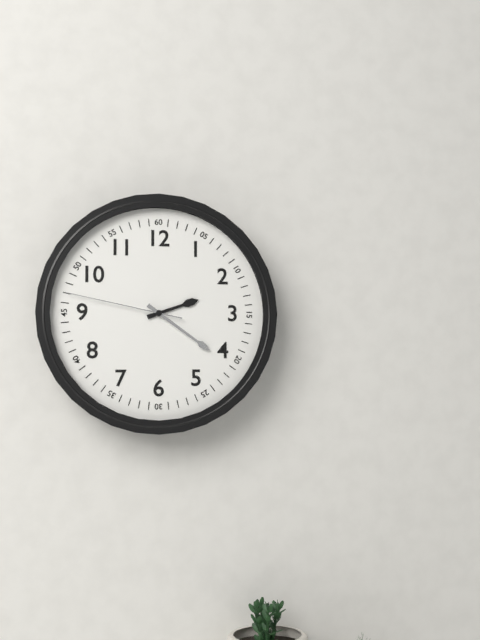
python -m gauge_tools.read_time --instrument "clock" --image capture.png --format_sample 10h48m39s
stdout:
2h21m47s
